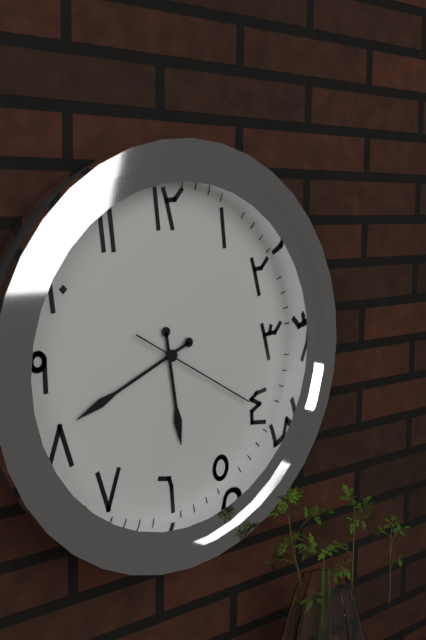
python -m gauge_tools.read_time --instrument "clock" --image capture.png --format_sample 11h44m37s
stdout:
5h41m20s
